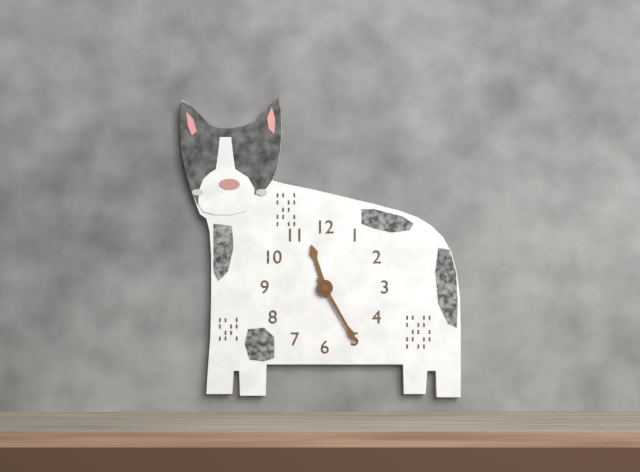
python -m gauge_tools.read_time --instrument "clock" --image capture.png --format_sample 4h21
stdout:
11h25
